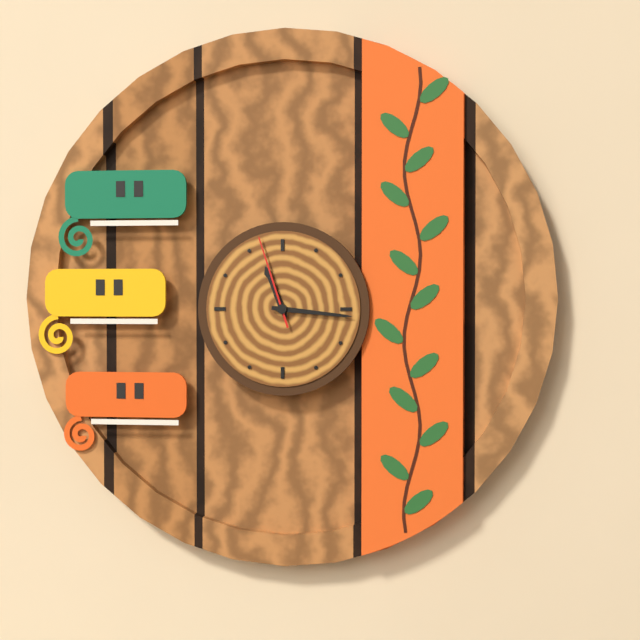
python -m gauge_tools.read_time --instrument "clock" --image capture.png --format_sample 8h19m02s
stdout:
11h16m57s
